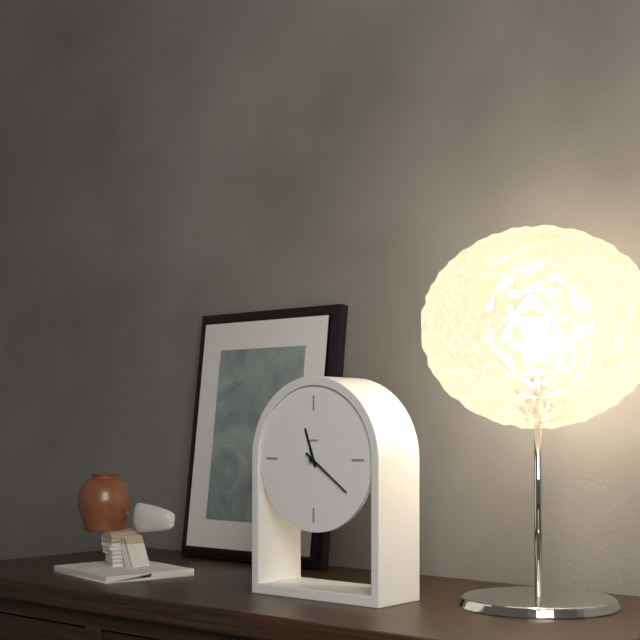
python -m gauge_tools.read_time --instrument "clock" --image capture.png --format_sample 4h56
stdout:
11h21
